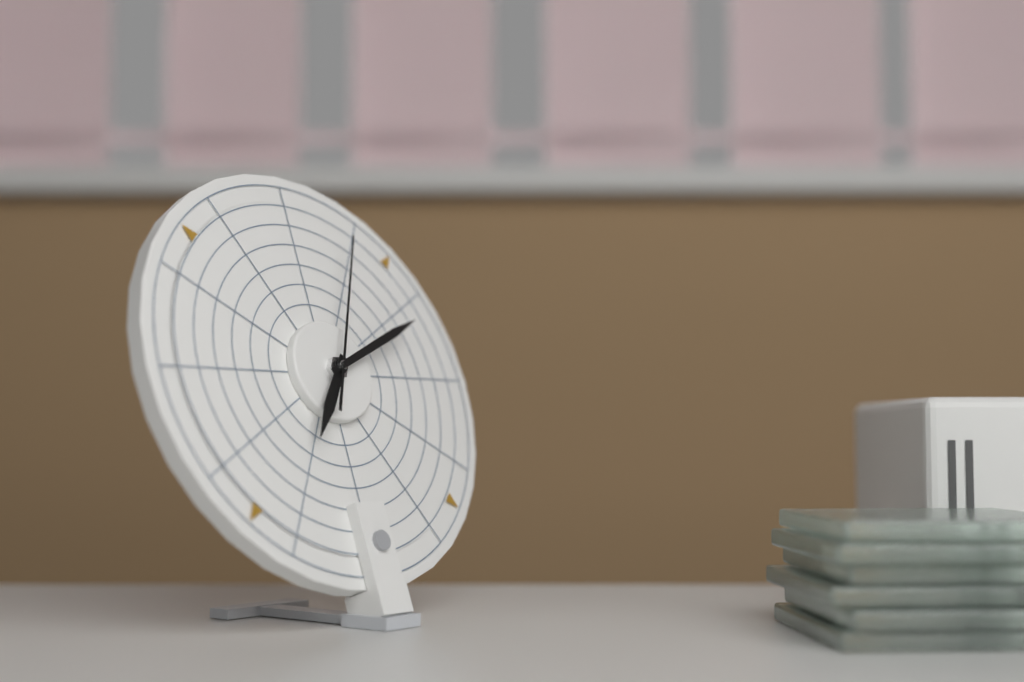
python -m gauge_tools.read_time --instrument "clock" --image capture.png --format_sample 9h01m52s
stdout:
7h11m04s
